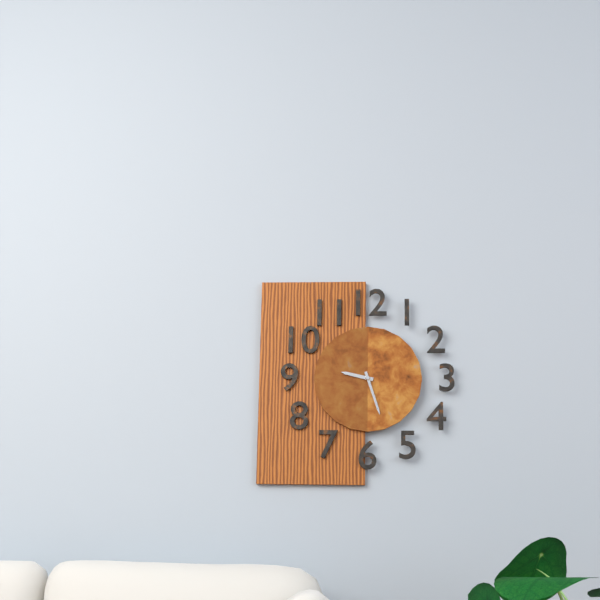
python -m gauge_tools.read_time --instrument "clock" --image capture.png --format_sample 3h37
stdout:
9h27
